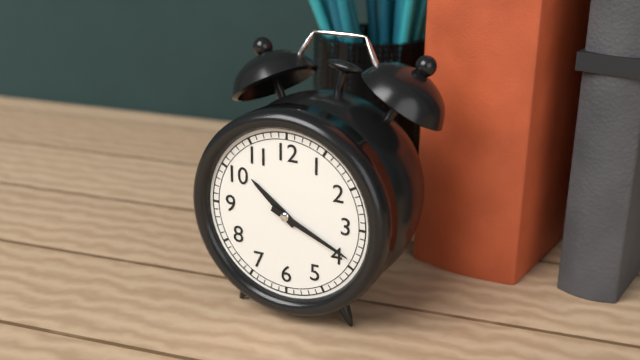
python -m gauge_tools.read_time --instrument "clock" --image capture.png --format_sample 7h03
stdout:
10h19
